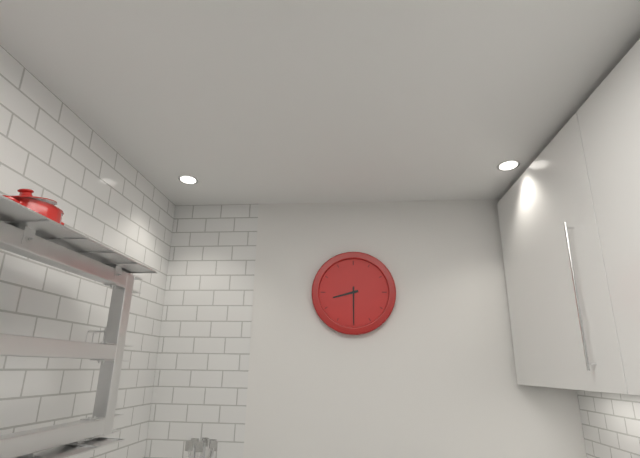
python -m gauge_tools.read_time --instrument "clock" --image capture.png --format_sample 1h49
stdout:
8h30
